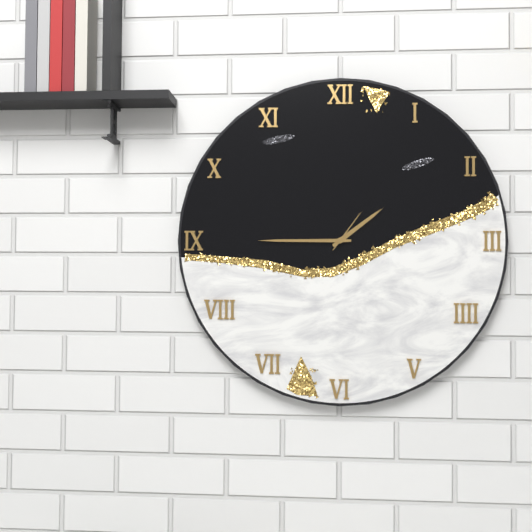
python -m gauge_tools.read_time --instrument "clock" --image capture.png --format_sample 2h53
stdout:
1h45
